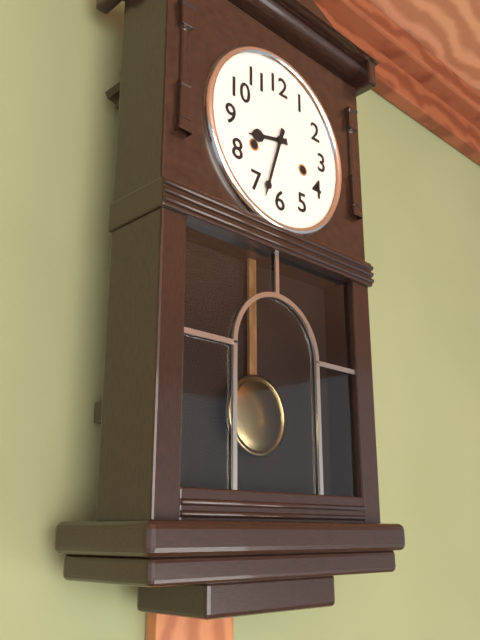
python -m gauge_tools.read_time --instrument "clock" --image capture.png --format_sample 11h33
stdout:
8h33
